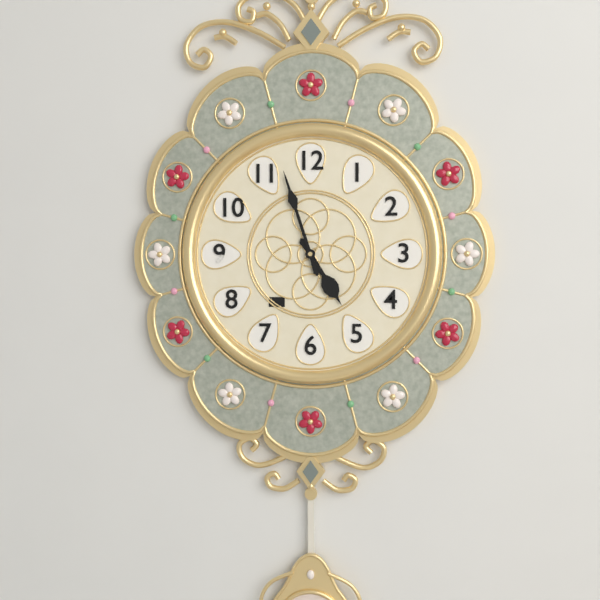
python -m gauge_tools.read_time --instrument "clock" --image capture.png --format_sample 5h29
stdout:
4h57
